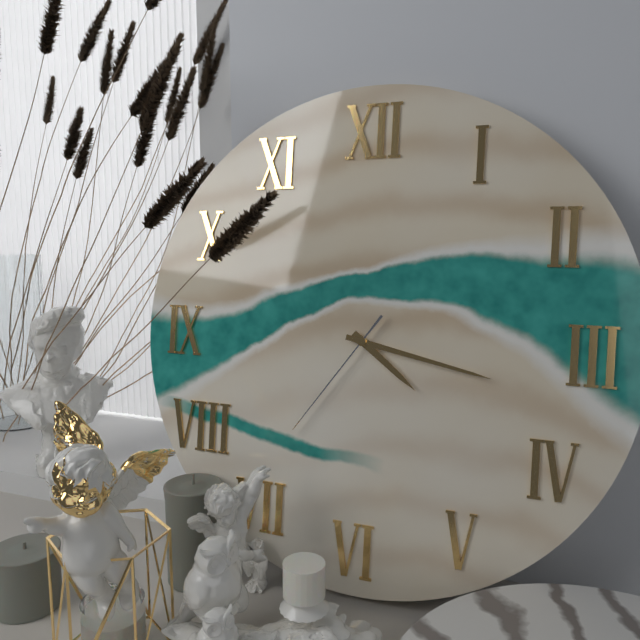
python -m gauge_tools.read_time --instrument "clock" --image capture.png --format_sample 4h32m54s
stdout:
4h17m36s
